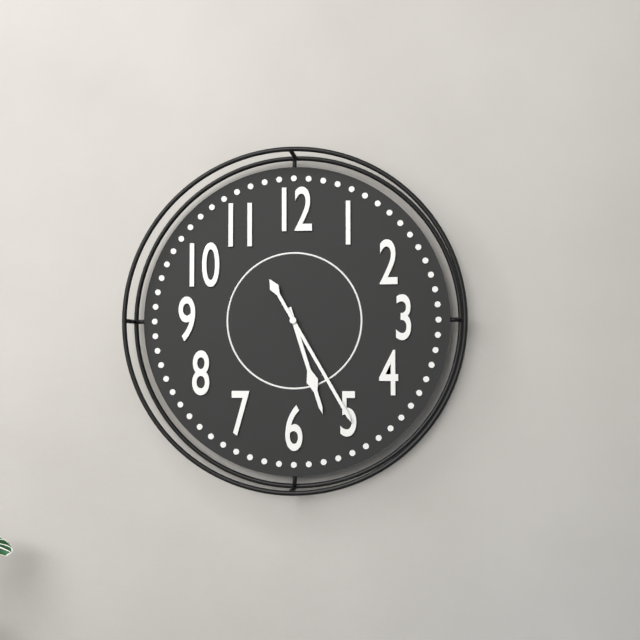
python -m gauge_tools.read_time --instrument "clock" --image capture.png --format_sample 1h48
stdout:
5h25
